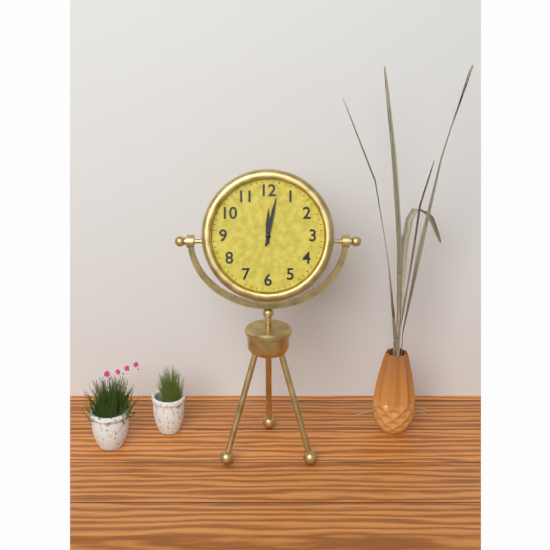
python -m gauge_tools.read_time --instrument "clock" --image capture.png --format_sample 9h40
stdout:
12h02
